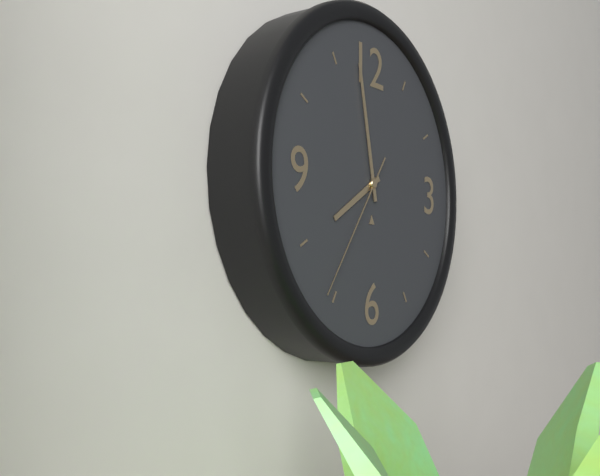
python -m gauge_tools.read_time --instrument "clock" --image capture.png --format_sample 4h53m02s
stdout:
7h58m36s
